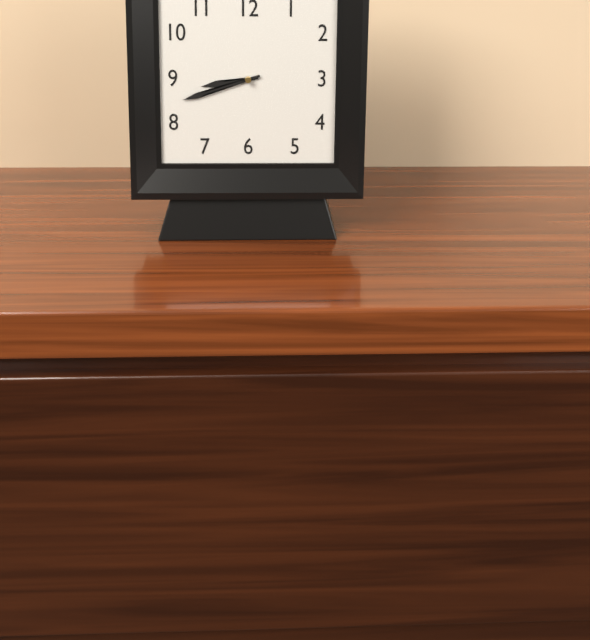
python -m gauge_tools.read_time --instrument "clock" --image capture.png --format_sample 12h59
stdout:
8h42
